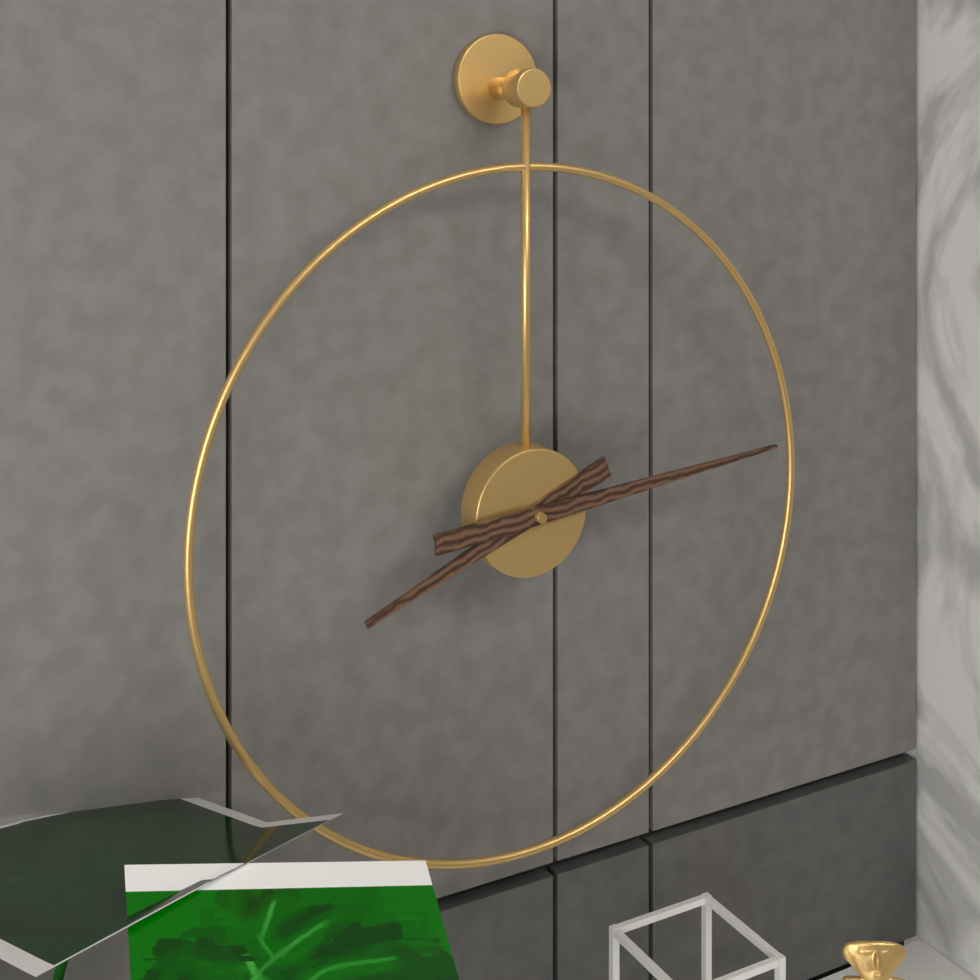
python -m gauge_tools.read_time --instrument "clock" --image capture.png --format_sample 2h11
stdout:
8h14
